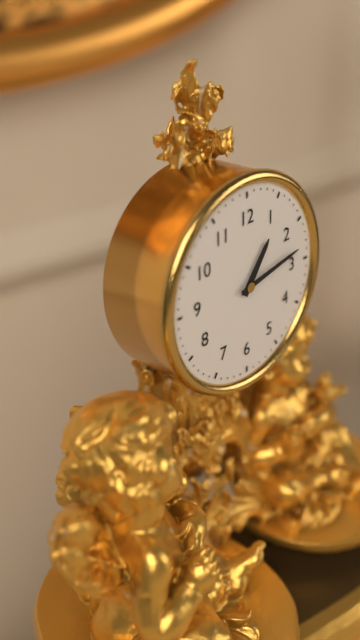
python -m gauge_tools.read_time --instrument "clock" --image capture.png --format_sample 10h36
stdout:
1h13
